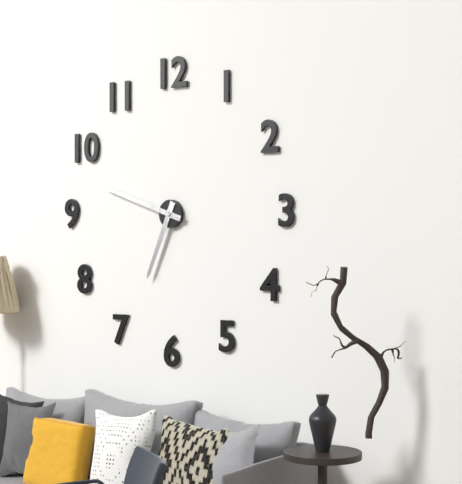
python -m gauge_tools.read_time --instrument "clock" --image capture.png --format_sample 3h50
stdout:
6h48
